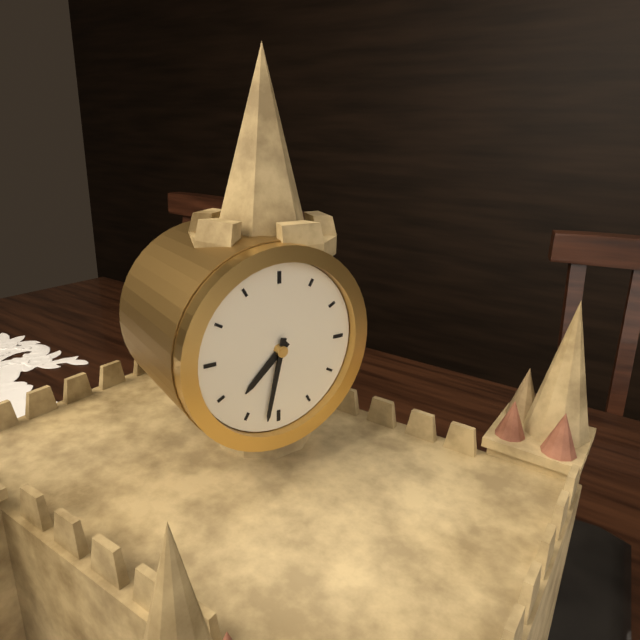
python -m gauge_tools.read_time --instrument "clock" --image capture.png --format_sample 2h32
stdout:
7h32
